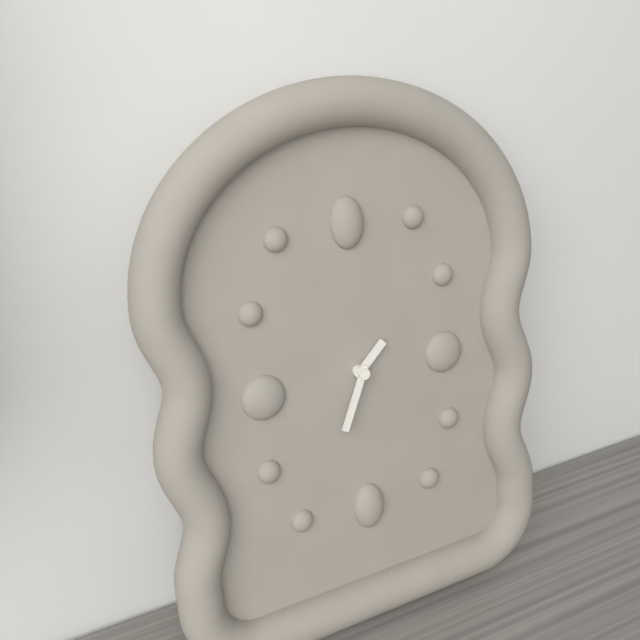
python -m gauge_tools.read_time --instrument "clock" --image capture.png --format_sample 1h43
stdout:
1h34
